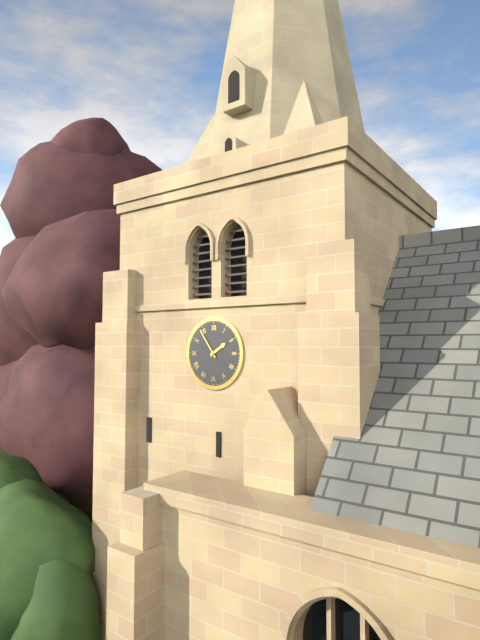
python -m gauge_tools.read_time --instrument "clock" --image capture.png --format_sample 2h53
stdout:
1h54
